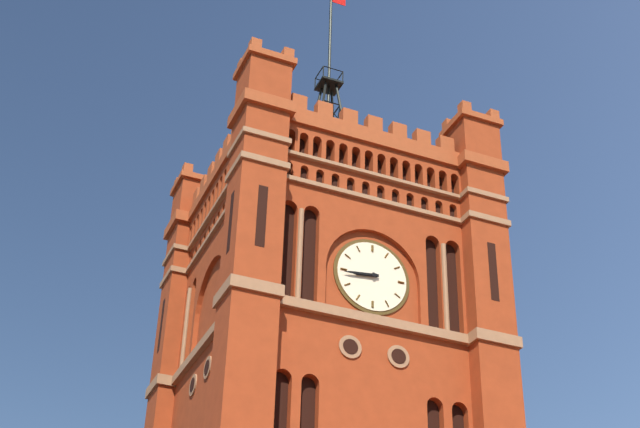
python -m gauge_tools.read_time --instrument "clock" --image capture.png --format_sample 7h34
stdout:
8h44
